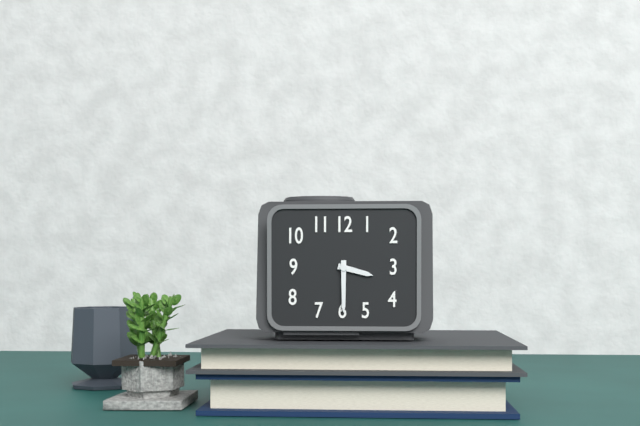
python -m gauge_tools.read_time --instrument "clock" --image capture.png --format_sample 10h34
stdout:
3h30
